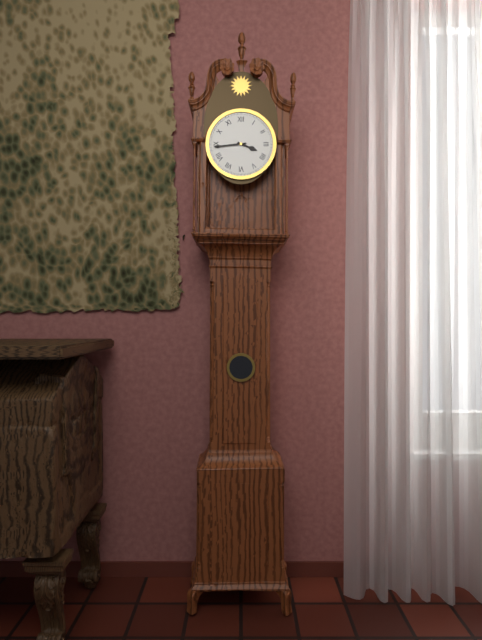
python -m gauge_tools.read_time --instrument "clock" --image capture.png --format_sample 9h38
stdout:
3h44
